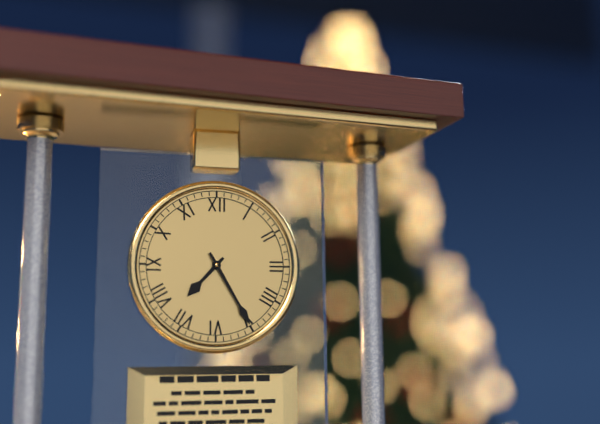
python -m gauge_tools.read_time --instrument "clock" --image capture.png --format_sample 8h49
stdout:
7h25
